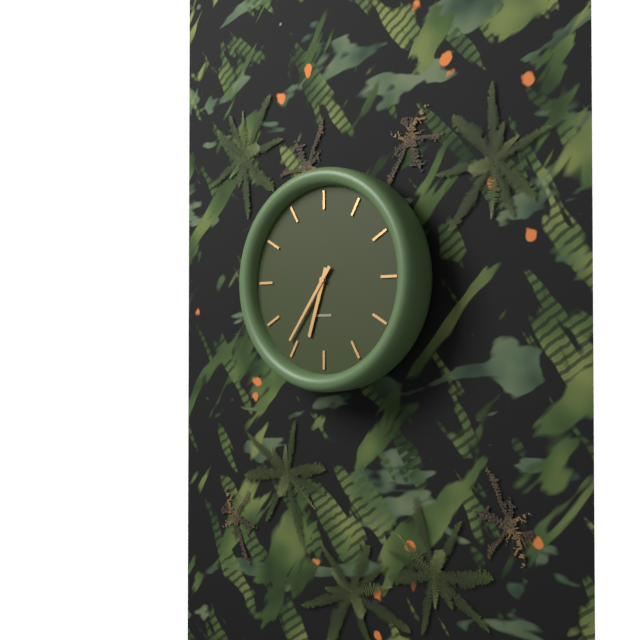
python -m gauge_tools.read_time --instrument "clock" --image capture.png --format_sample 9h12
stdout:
6h36
